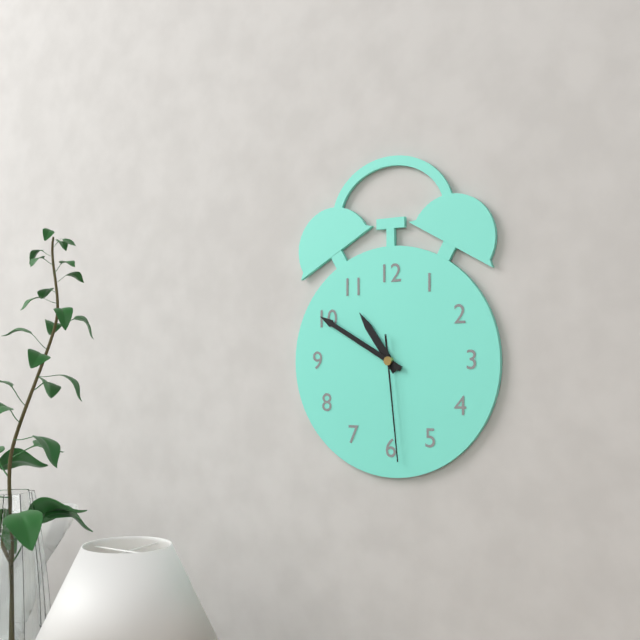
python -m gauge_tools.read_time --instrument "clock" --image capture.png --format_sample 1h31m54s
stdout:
10h50m29s
